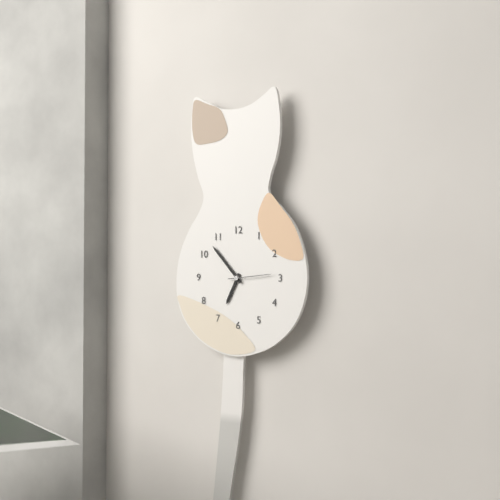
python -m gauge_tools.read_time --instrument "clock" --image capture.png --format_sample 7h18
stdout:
6h53
